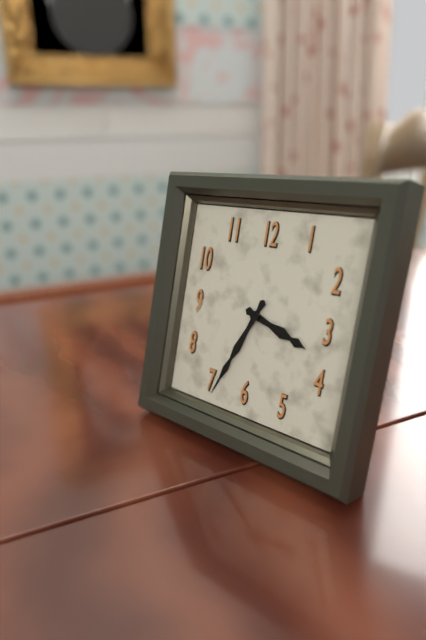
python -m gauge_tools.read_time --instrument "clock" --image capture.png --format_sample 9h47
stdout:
3h34
